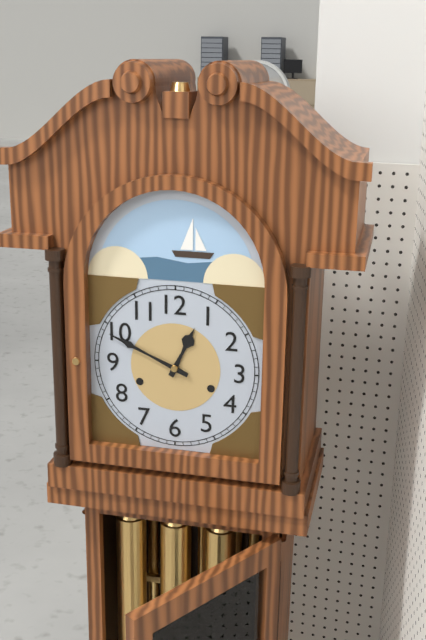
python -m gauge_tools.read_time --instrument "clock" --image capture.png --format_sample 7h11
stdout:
12h49
